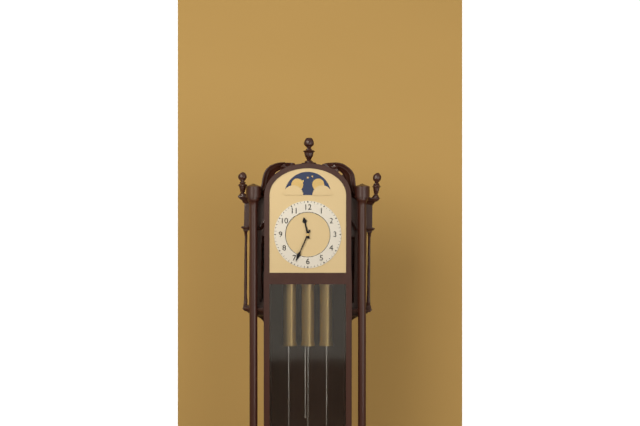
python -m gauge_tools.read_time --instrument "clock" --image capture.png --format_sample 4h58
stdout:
11h34
